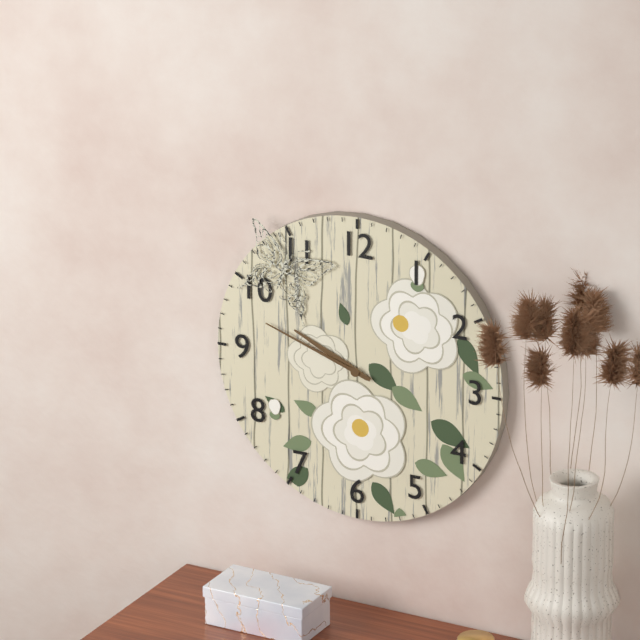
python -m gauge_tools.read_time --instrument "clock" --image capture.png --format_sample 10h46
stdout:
9h48
